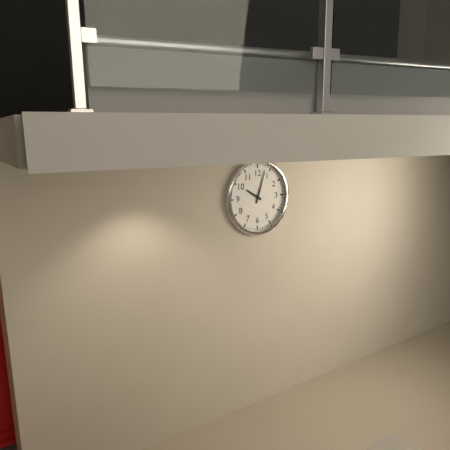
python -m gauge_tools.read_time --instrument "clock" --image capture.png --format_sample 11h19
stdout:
10h03
